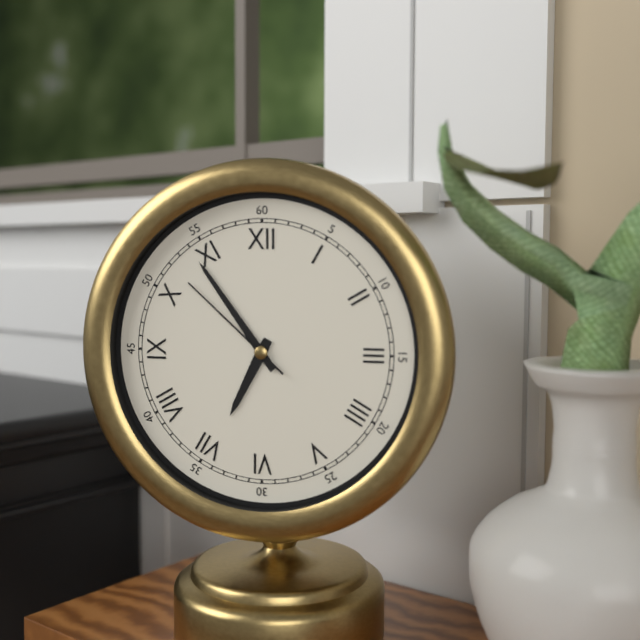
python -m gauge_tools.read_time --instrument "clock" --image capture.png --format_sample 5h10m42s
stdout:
6h54m52s
